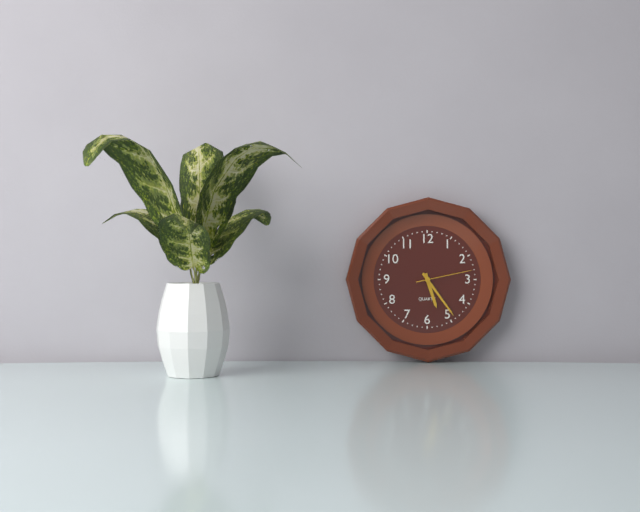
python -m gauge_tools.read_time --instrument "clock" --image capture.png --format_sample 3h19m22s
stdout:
5h24m13s
